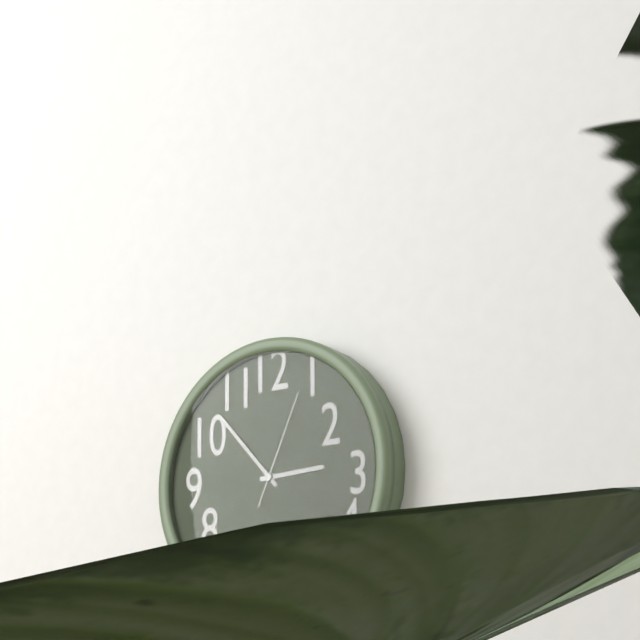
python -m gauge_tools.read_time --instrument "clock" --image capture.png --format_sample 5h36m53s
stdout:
2h53m04s
